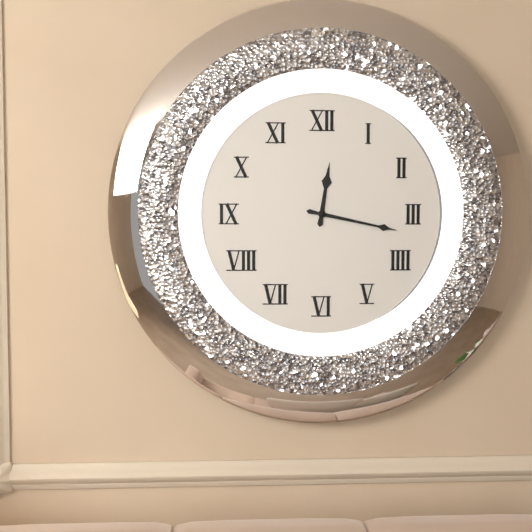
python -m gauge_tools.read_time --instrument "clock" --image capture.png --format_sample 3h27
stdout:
12h17
